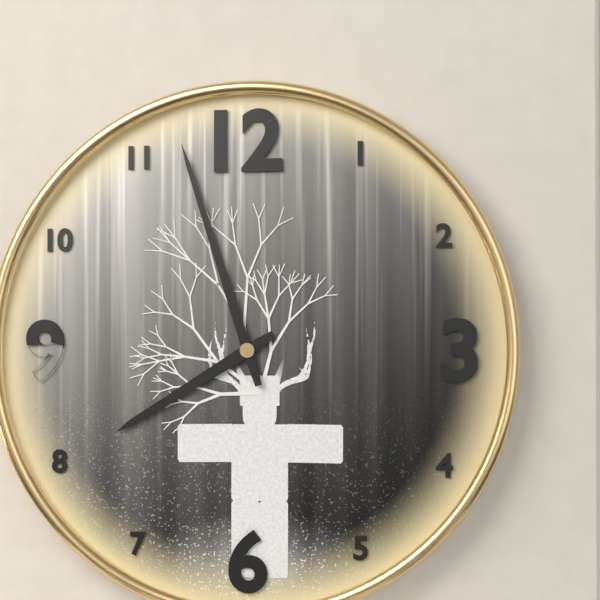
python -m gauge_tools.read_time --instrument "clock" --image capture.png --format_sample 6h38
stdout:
7h57
